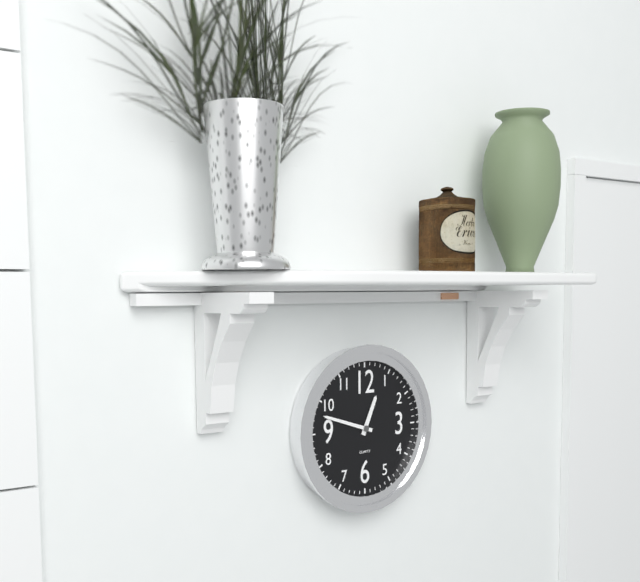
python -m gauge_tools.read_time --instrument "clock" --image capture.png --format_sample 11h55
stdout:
12h48
